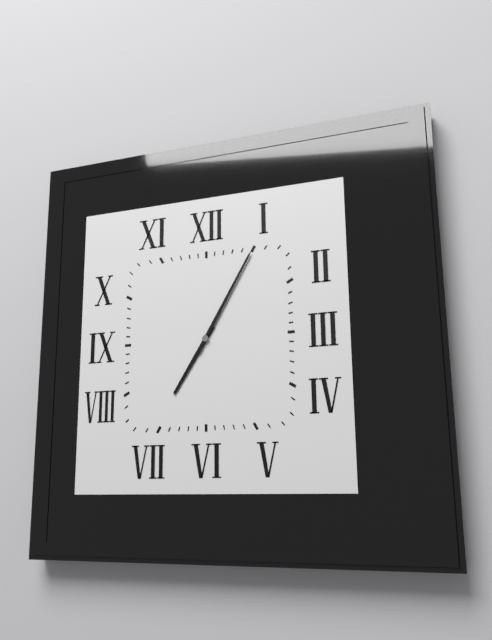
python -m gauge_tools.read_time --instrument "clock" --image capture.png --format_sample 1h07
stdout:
7h05
